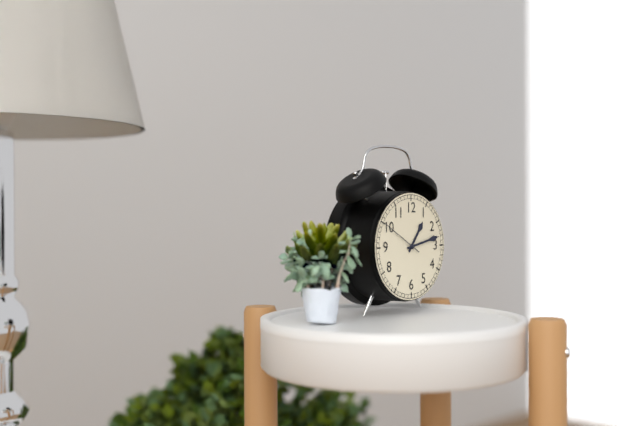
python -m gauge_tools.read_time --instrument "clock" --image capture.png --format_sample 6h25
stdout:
1h13
